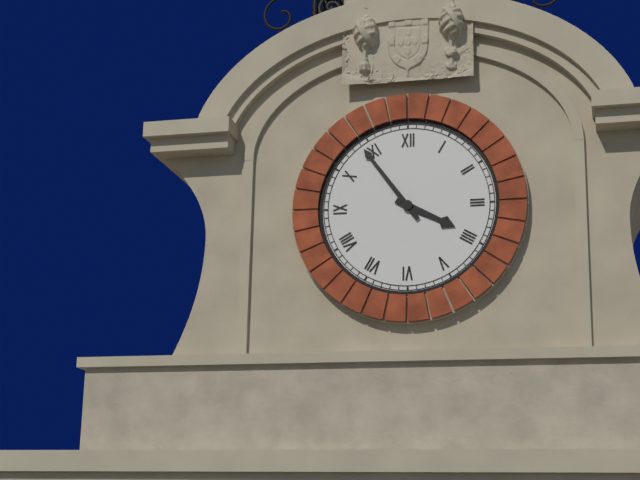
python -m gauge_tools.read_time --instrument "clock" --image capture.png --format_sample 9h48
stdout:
3h54
